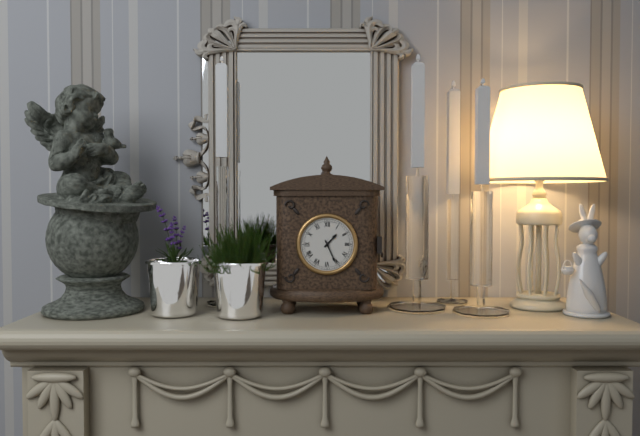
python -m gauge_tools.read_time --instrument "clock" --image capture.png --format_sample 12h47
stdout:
1h26
